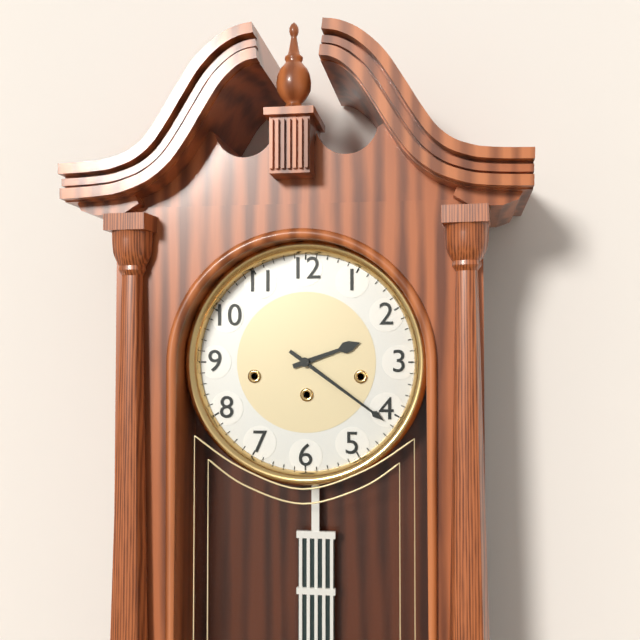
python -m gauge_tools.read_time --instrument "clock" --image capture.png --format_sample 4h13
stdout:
2h21
